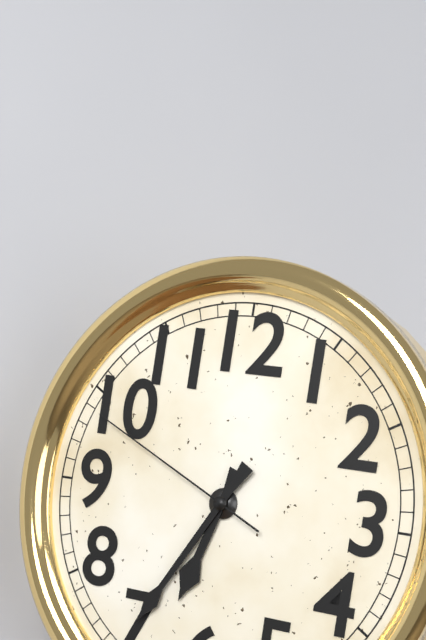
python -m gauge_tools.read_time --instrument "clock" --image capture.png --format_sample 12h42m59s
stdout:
6h35m49s
